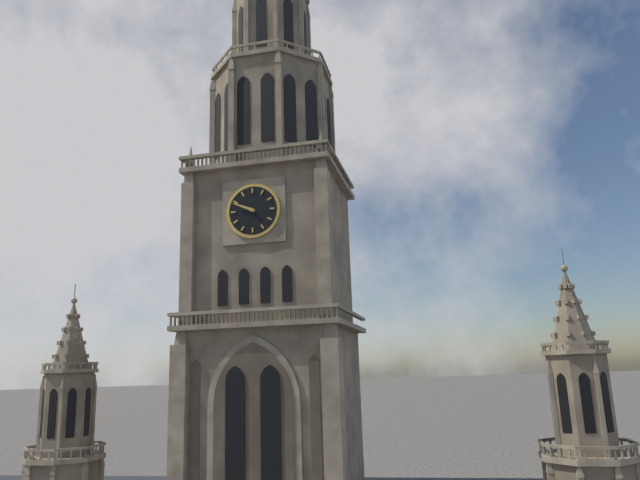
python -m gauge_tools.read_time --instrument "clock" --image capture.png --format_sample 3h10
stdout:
9h49
